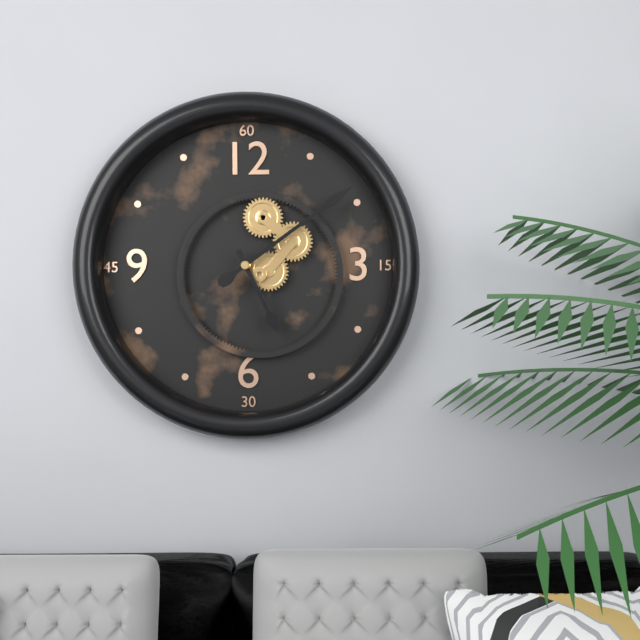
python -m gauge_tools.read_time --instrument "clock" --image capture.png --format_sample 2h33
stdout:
5h09
